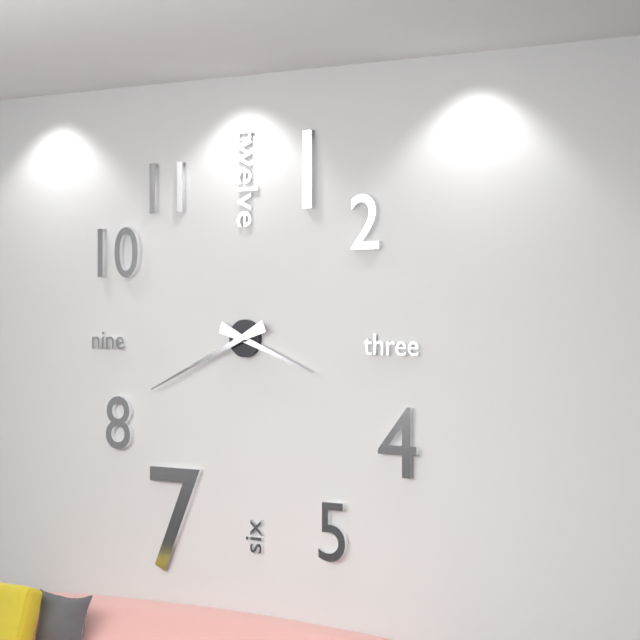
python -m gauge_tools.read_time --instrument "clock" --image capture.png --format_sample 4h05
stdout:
3h41
